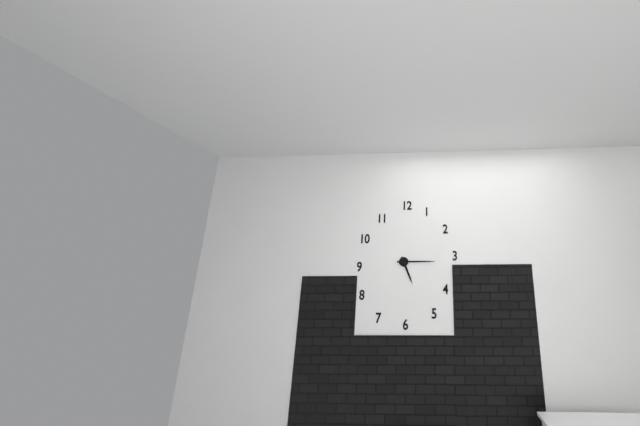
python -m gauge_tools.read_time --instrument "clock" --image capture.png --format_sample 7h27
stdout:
5h15
